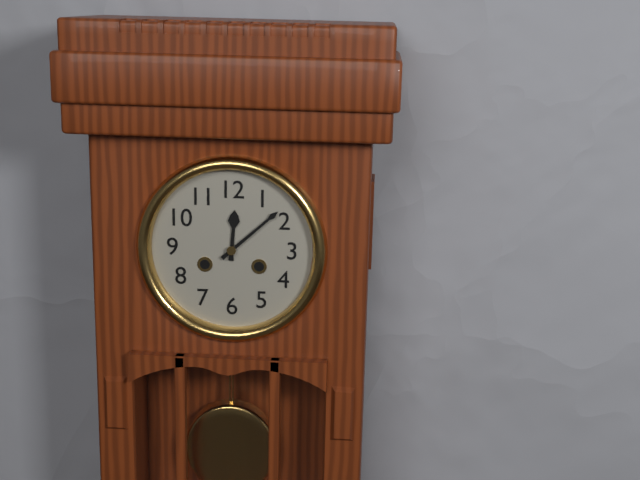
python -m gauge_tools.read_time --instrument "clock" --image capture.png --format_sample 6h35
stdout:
12h08
